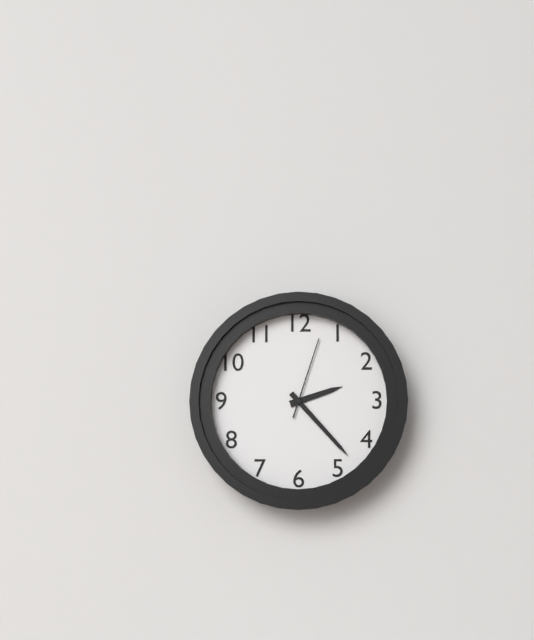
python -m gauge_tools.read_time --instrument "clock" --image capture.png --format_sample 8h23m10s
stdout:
2h23m03s
